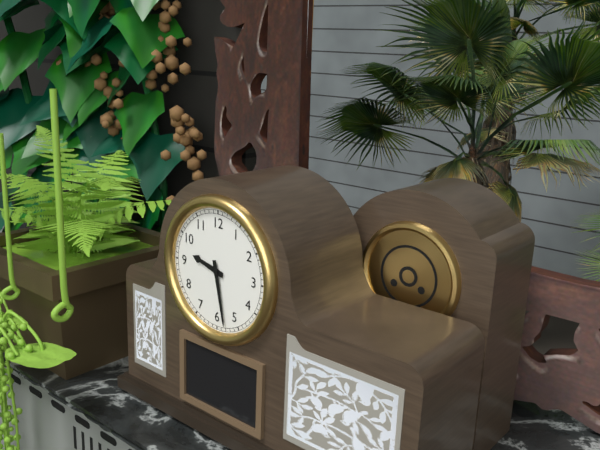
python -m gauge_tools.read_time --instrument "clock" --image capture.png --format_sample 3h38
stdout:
9h28
